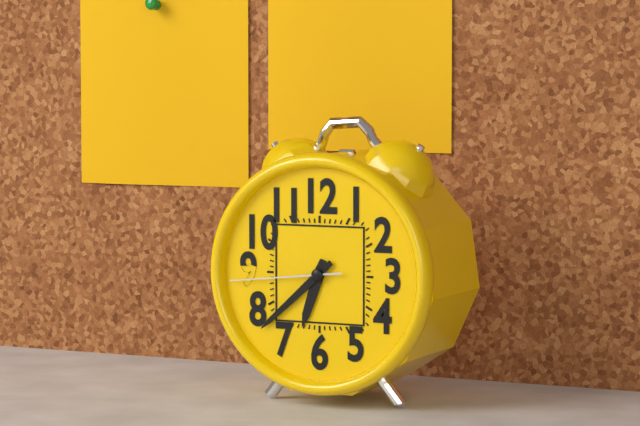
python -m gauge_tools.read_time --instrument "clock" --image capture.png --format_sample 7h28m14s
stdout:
6h38m44s
